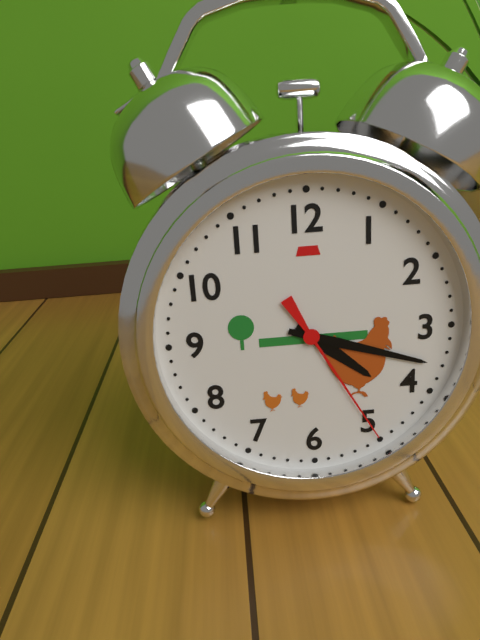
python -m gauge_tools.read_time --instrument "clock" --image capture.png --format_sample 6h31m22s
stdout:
4h18m25s
